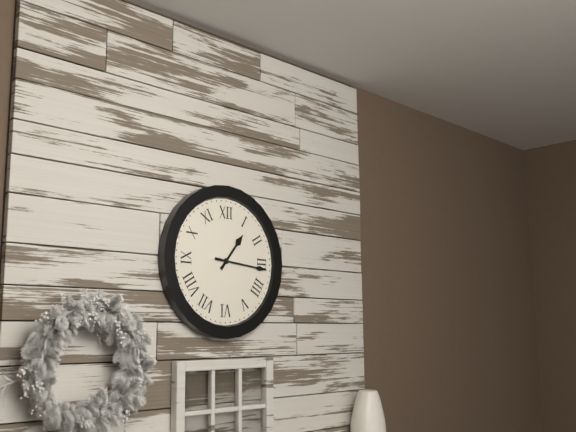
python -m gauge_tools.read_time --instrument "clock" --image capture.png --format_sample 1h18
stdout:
1h16
